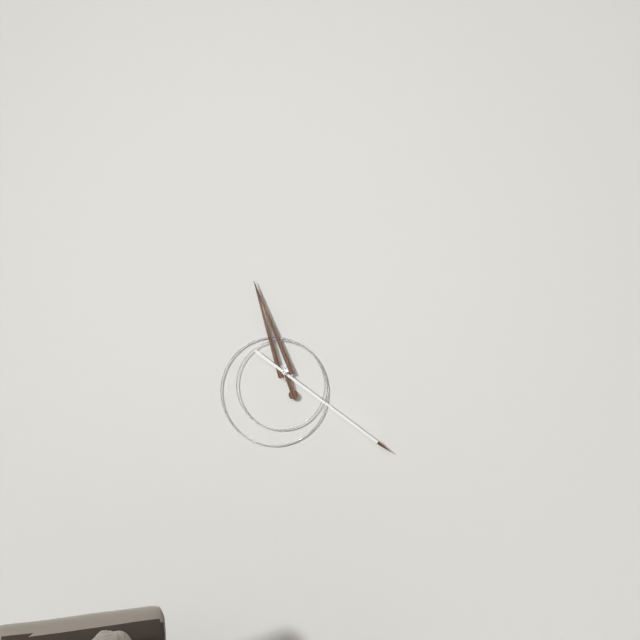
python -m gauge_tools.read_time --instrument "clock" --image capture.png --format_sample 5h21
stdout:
11h21
